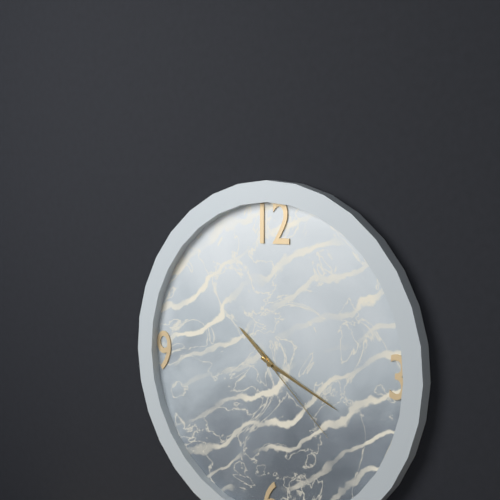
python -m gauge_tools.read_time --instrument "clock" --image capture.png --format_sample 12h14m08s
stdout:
10h19m22s
